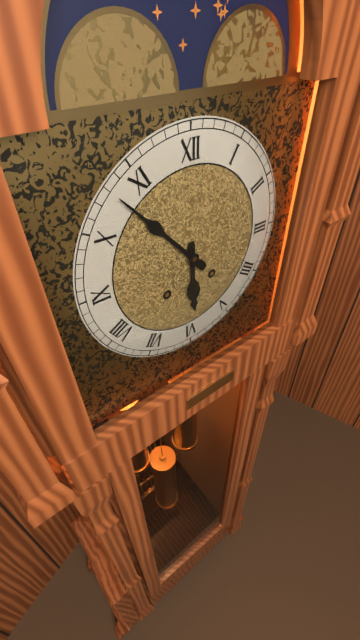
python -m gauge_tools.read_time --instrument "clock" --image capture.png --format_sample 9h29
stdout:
5h53
